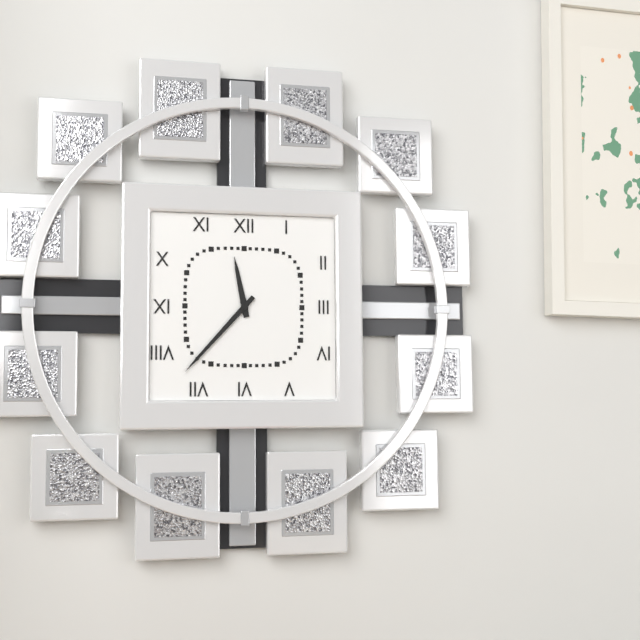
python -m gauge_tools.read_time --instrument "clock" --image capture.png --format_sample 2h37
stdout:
11h37
